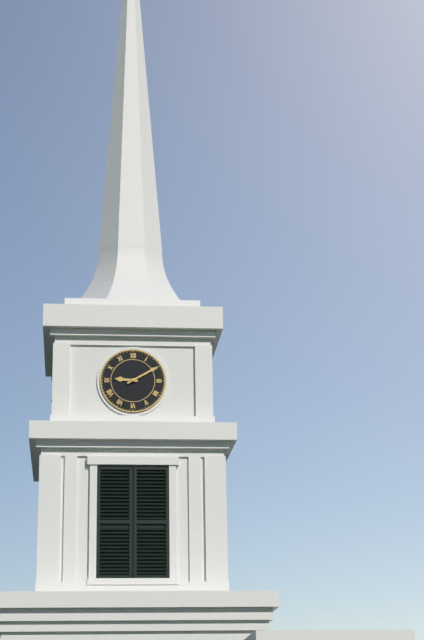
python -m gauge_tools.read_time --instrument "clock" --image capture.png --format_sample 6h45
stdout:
9h10
